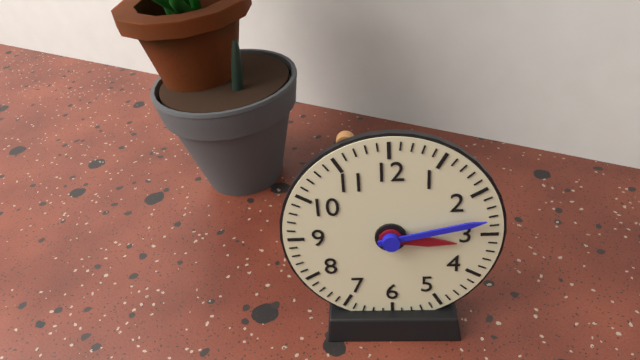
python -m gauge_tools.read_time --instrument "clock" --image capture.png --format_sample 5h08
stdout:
3h13
